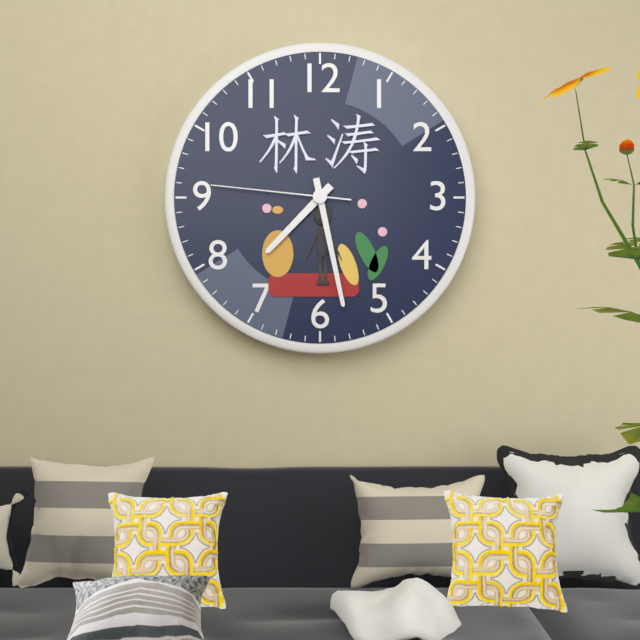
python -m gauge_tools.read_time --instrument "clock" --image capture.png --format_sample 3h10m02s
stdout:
7h28m46s
